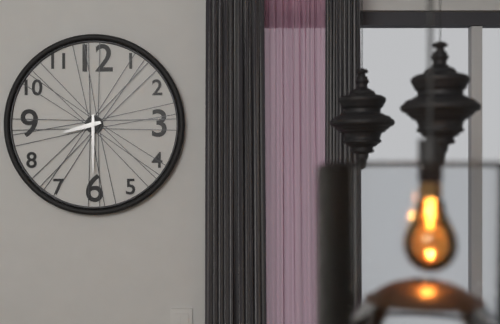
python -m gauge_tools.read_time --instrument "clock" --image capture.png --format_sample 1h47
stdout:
8h30
